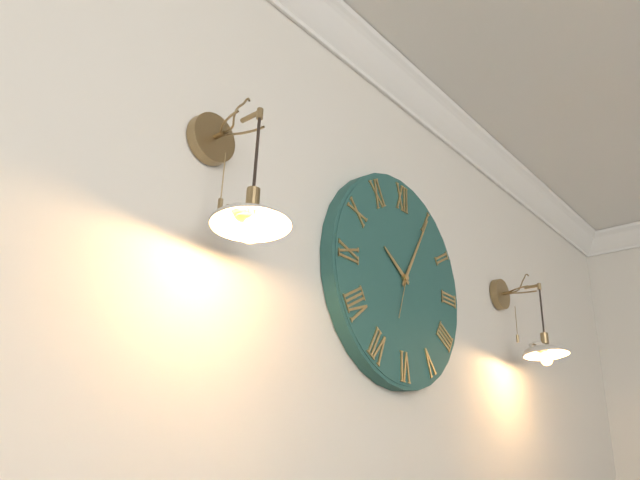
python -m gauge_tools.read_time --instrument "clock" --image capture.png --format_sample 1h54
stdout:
10h05
